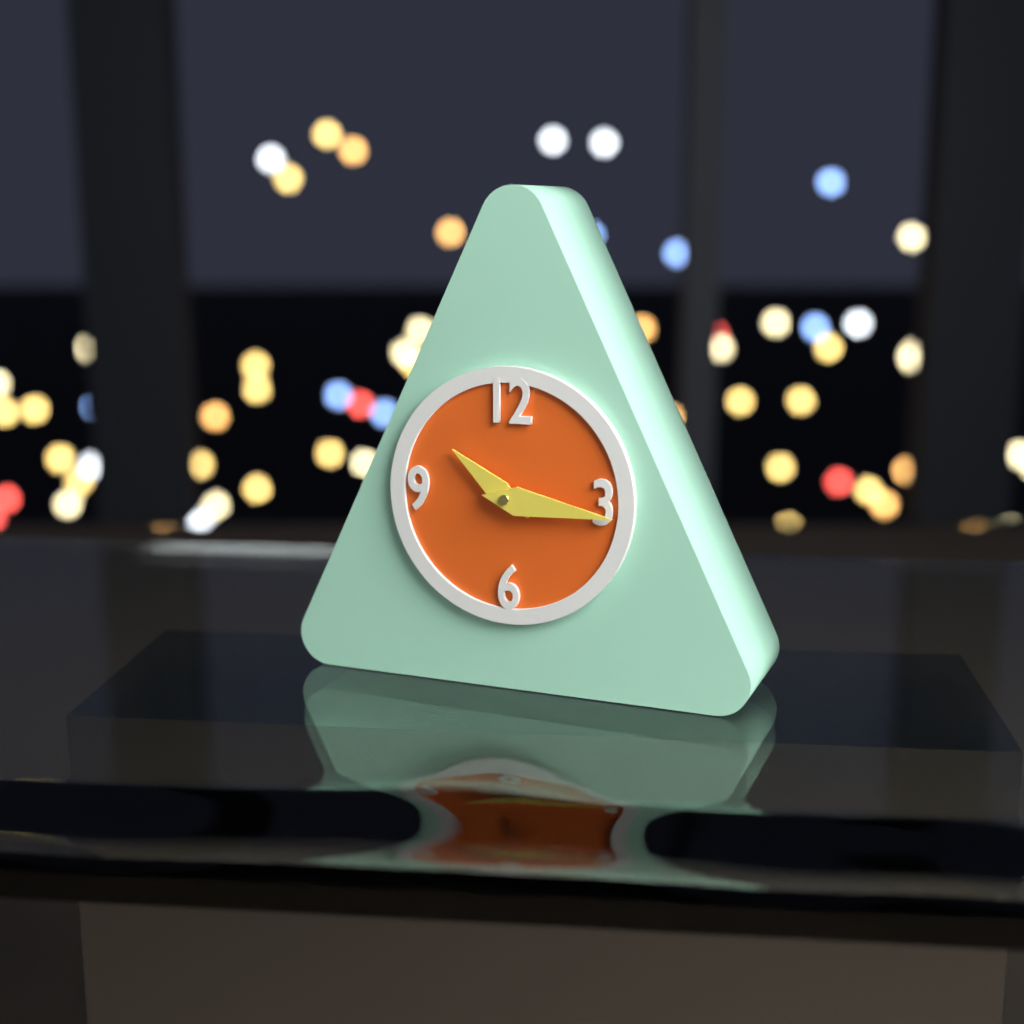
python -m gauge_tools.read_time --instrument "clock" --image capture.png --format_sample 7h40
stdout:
10h16
